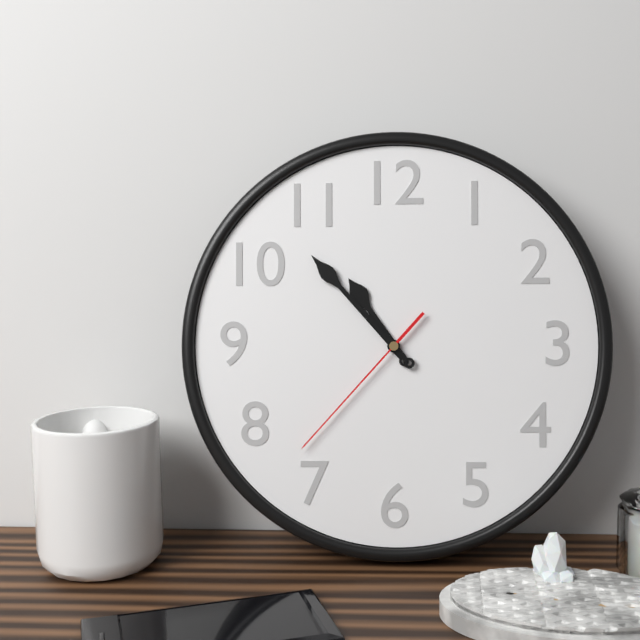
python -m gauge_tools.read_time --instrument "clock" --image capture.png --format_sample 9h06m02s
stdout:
10h53m37s
